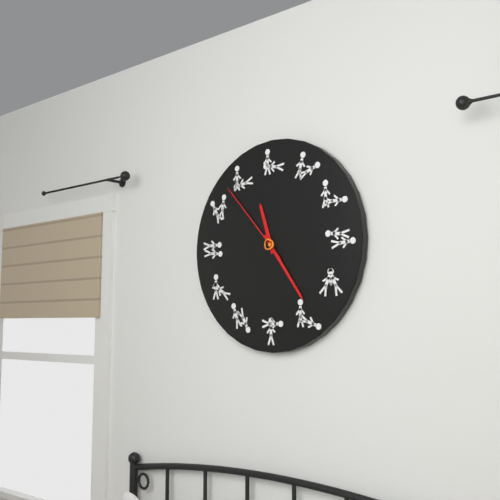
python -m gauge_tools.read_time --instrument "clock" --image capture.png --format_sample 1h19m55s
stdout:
11h24m53s
